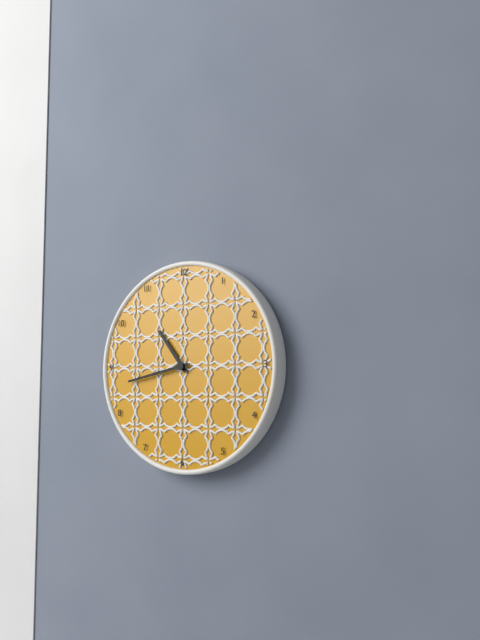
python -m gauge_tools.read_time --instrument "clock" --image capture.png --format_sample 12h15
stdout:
10h43
